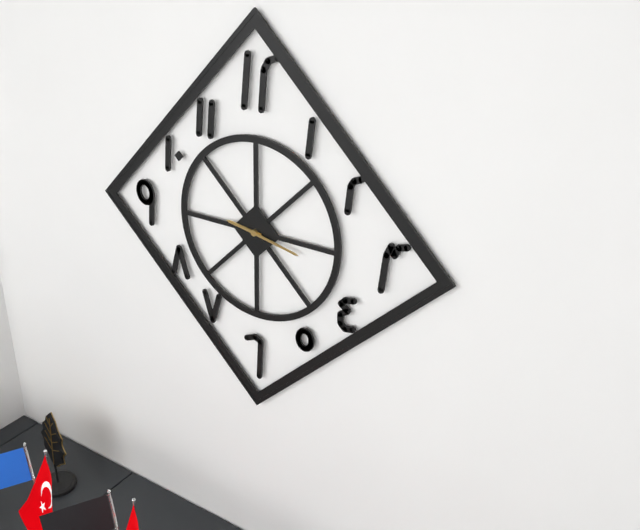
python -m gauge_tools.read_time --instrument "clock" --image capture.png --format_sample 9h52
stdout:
9h17
